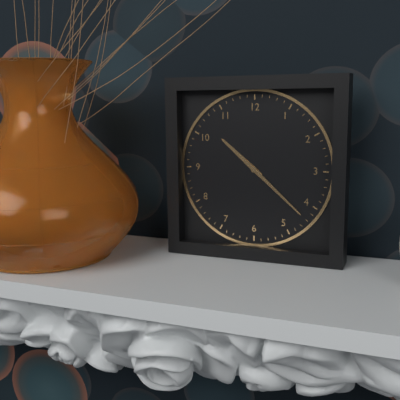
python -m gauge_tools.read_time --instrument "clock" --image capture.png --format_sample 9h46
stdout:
10h22
